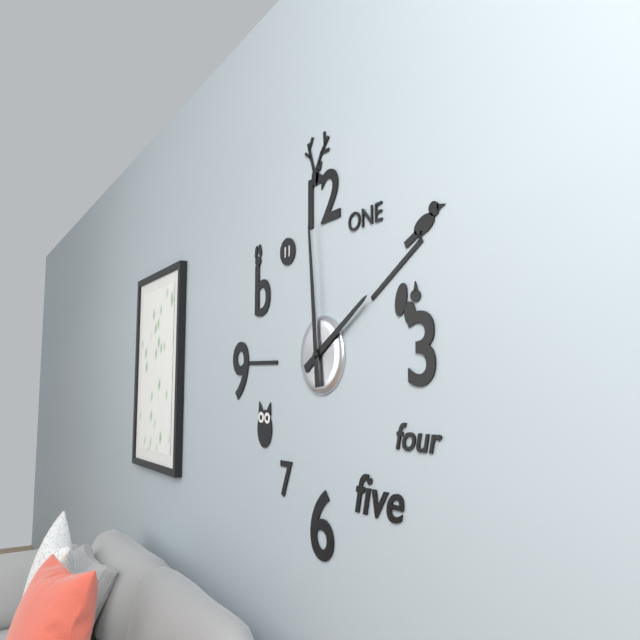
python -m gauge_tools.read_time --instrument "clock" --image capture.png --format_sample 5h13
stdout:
1h59
